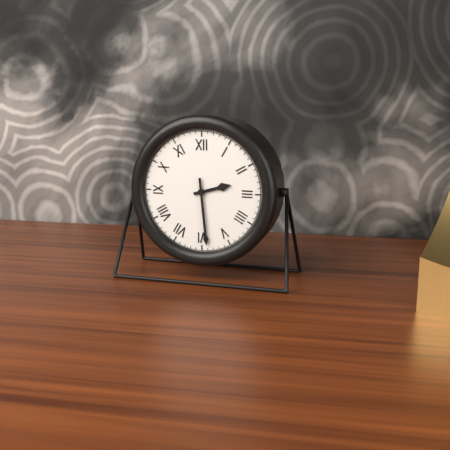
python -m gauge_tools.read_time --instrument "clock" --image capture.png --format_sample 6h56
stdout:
2h29
